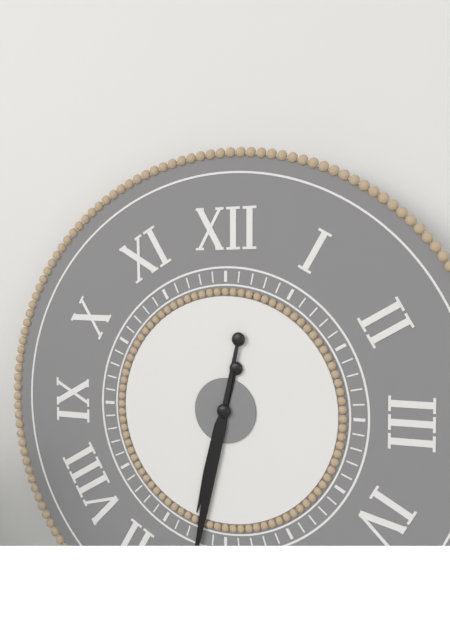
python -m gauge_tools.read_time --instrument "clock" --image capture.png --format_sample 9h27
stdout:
6h32
